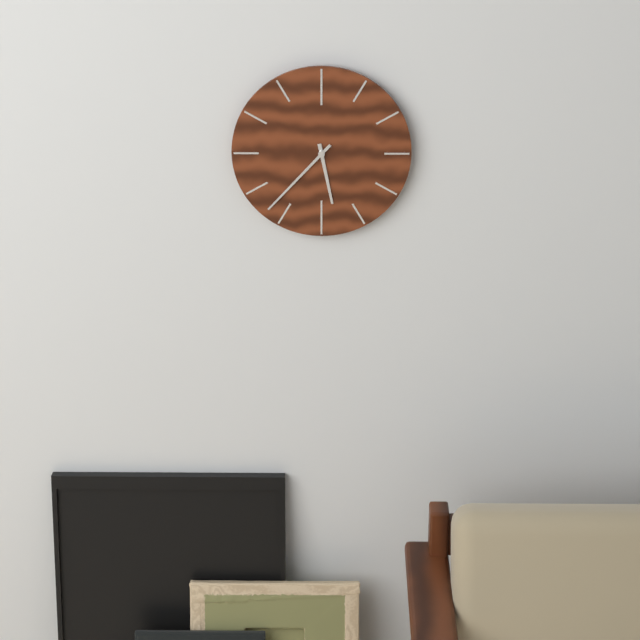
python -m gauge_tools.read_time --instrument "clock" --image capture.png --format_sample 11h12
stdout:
5h37
